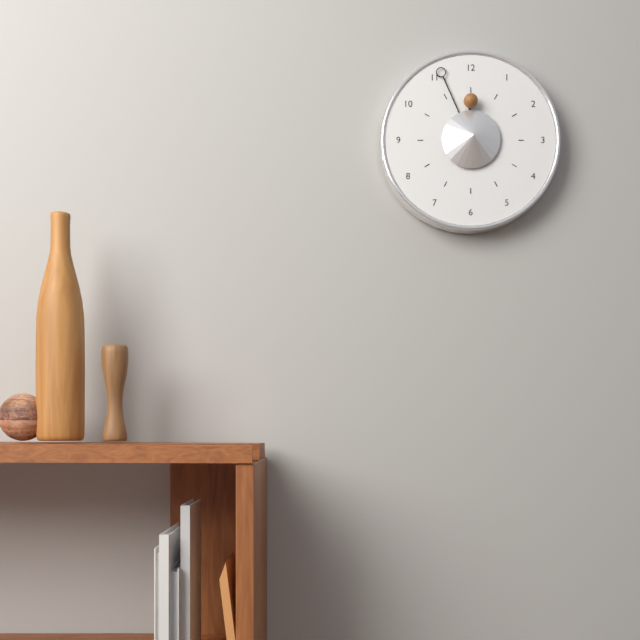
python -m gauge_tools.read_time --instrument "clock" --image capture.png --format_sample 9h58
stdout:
11h56
